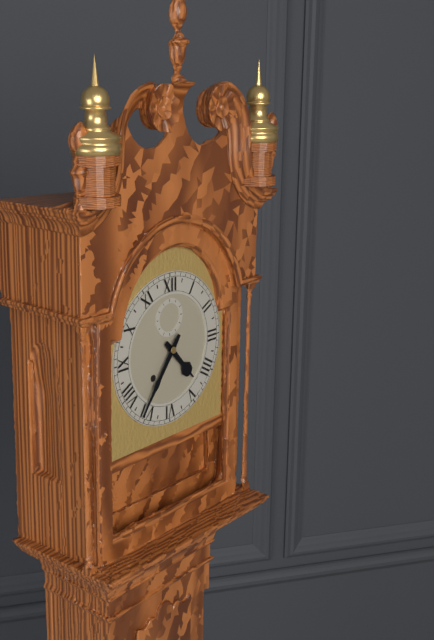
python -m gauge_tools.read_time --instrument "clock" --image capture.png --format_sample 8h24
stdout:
4h36
